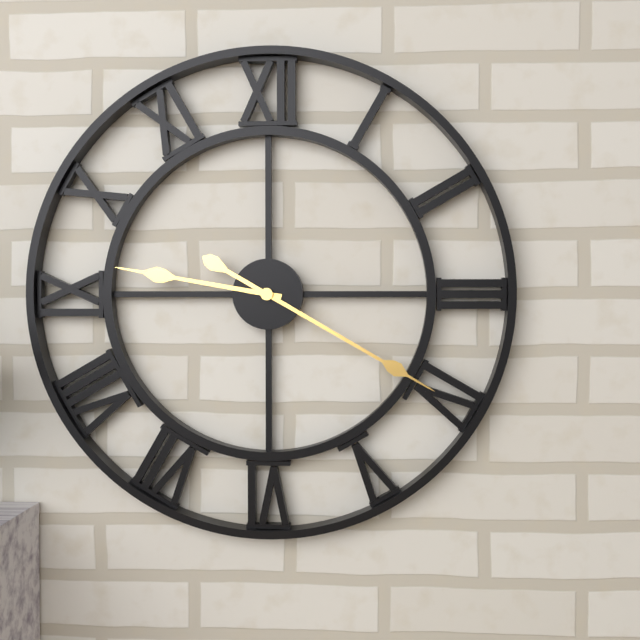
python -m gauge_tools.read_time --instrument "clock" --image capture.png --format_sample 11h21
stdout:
9h20
